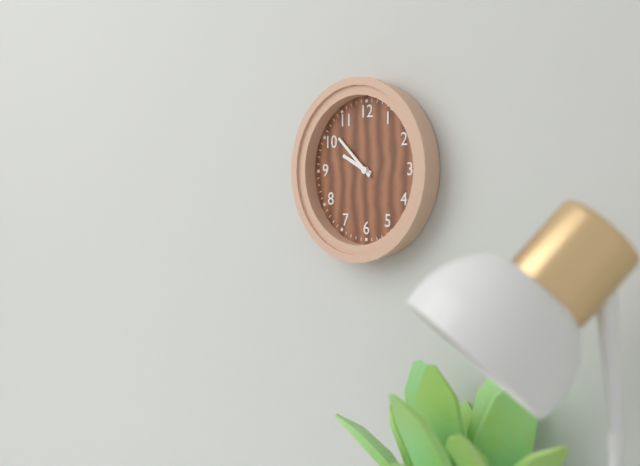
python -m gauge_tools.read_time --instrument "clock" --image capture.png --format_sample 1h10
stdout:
9h52
